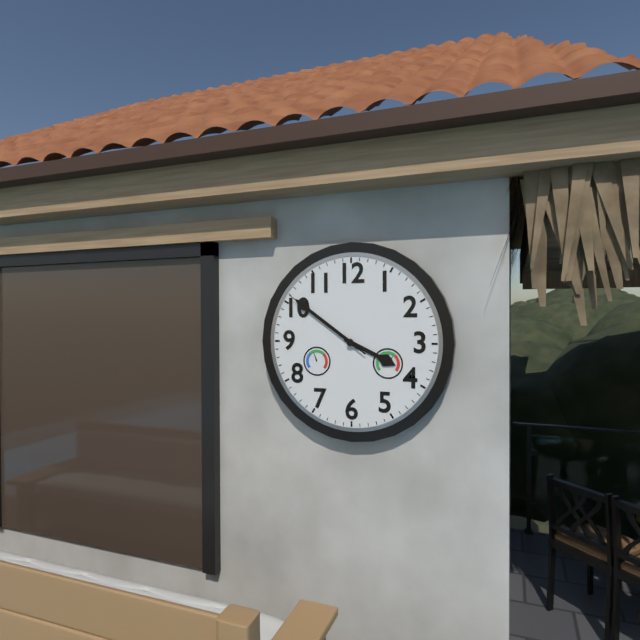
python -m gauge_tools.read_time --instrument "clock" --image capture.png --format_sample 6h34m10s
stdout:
3h51m51s
